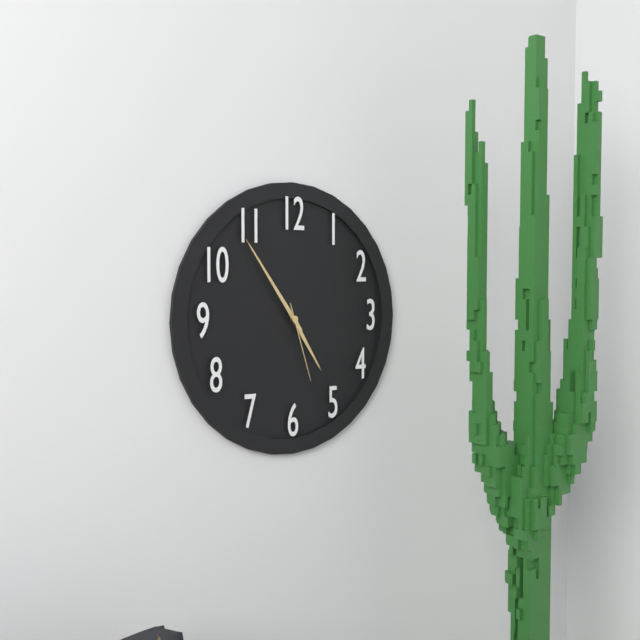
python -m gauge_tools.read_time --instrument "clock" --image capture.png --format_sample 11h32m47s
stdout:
4h54m27s
